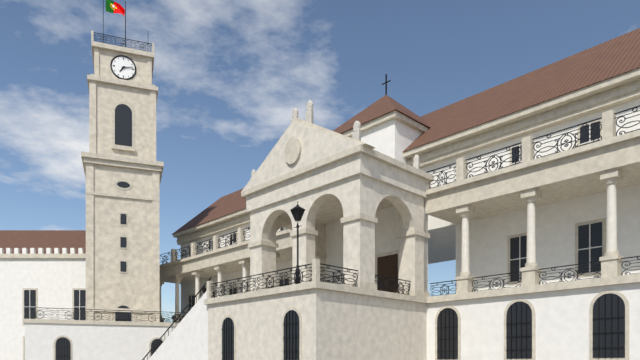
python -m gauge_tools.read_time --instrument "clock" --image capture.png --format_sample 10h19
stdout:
7h13
